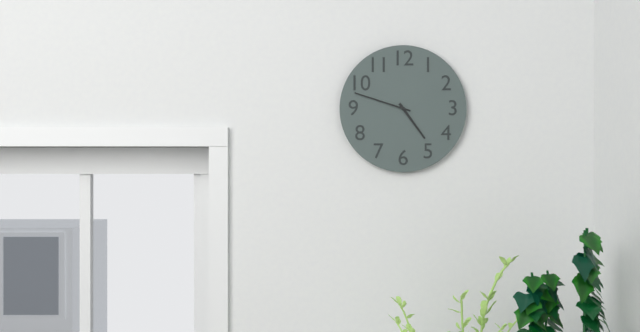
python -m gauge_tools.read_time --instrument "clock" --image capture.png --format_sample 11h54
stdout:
4h48
